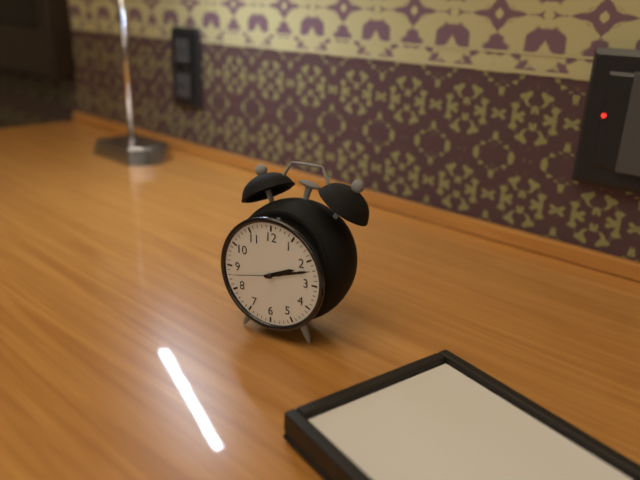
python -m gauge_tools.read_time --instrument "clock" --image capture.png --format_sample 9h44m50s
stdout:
2h12m43s
